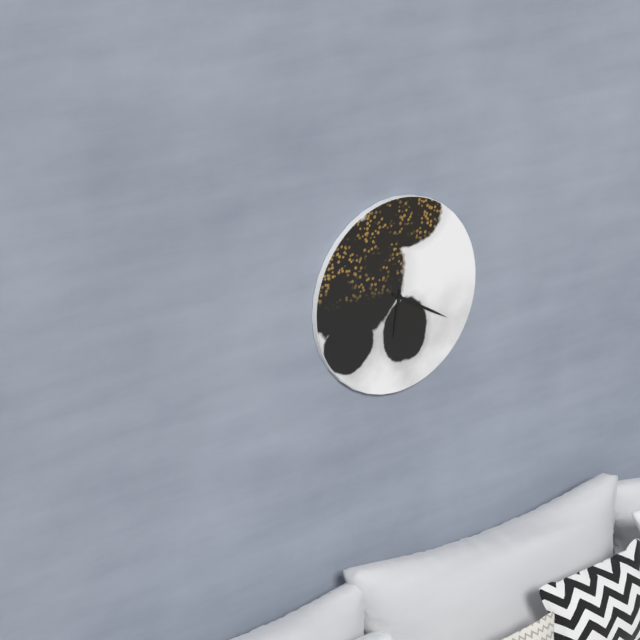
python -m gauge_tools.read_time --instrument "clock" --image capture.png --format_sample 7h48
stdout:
6h20
